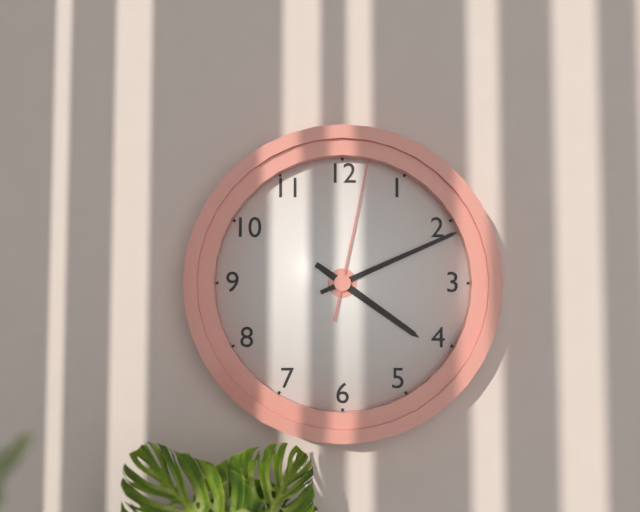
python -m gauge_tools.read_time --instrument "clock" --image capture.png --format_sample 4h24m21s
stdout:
4h11m02s
